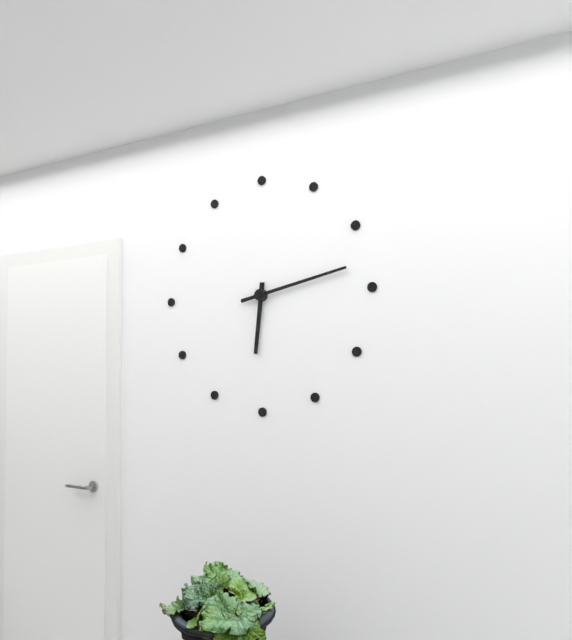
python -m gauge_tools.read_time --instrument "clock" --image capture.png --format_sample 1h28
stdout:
6h13
